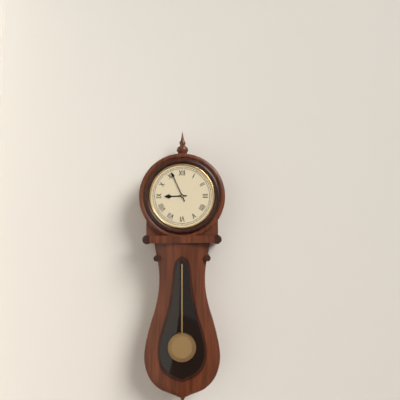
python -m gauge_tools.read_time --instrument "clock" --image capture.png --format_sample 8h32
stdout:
8h56
